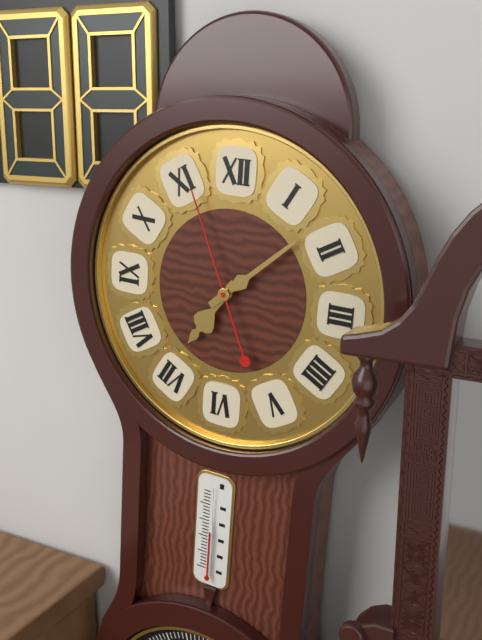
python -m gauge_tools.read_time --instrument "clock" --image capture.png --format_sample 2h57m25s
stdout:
7h08m56s
